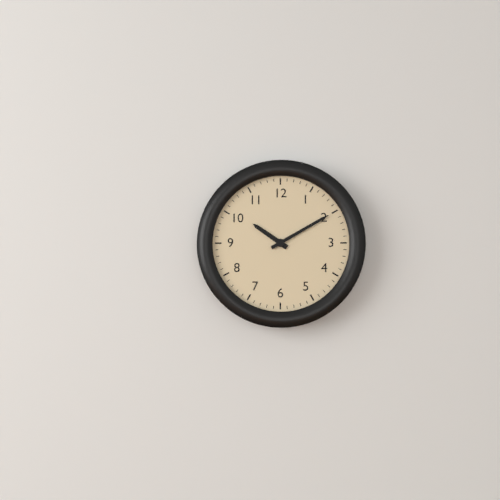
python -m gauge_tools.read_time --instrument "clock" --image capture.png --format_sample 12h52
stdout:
10h10
